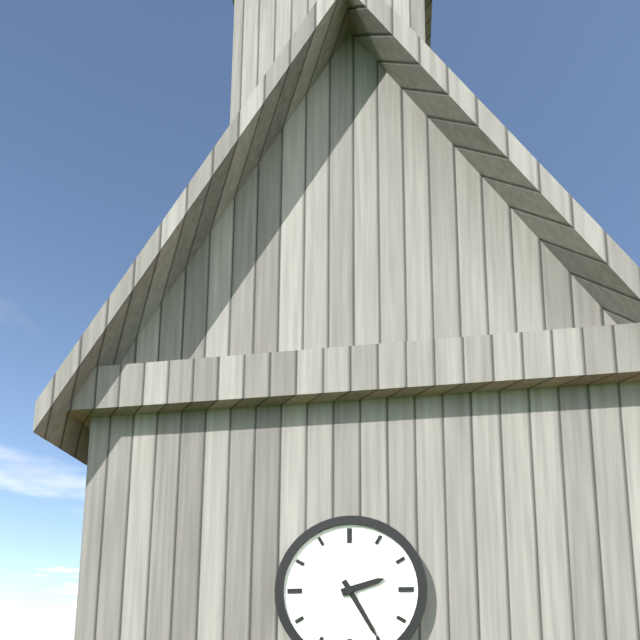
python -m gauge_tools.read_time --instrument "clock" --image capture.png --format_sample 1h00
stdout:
2h25
